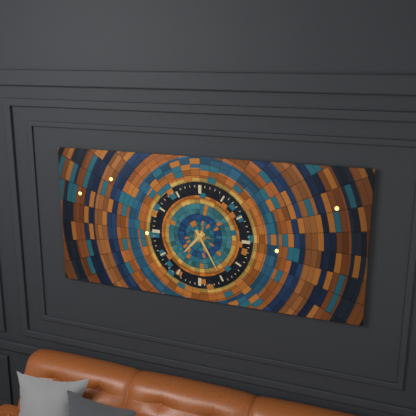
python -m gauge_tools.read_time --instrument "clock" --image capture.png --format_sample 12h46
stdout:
7h25
